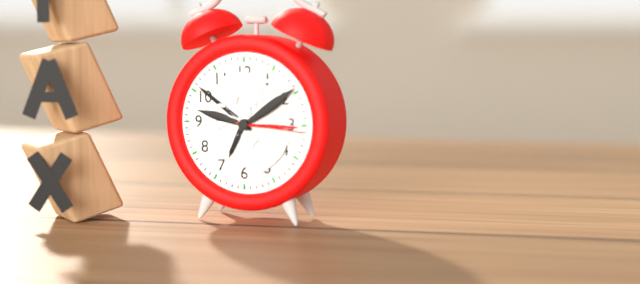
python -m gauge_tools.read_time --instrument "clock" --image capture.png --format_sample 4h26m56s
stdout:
6h51m16s
